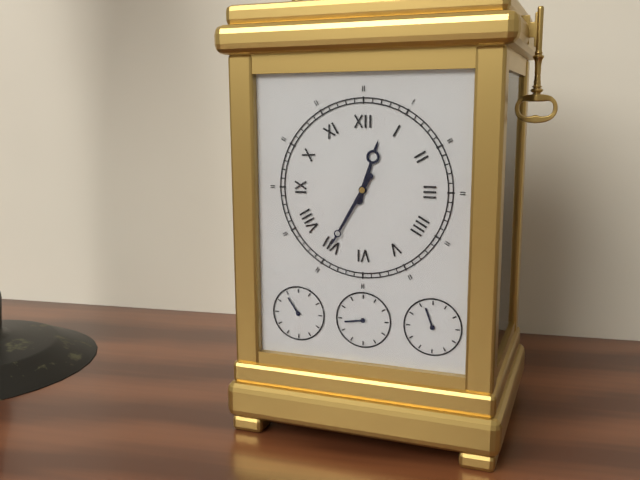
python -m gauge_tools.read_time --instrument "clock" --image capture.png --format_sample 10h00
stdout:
12h35
